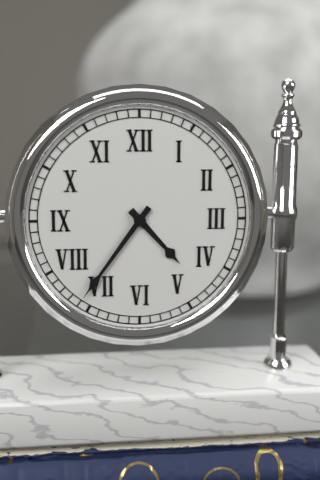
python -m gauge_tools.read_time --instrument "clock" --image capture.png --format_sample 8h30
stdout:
4h36
